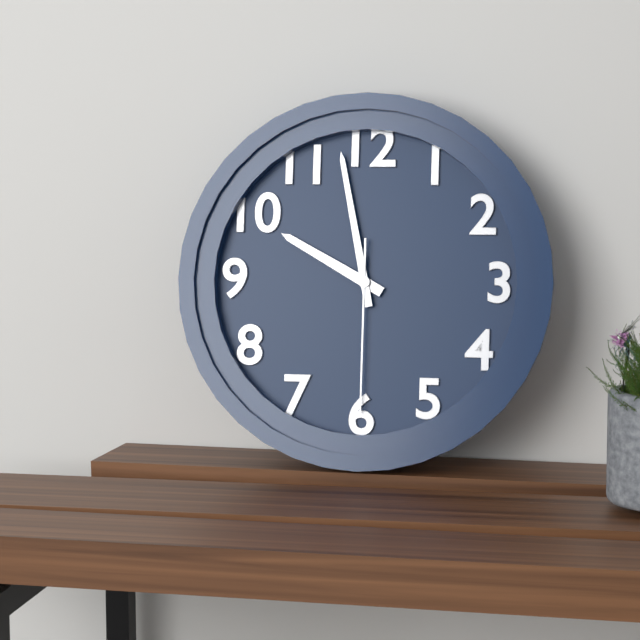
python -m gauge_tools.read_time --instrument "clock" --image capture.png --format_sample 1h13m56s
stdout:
9h58m30s
